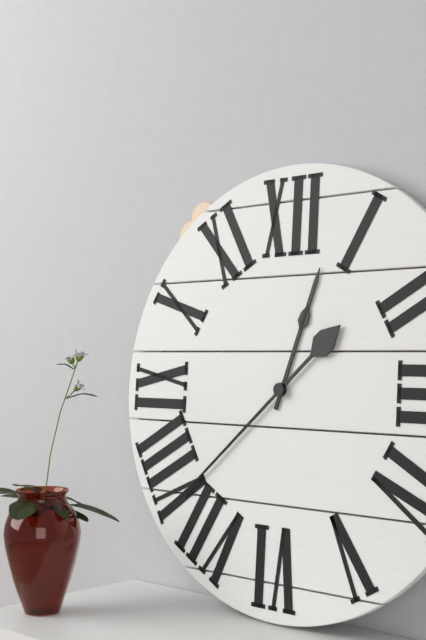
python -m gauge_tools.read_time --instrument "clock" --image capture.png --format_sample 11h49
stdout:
12h38
